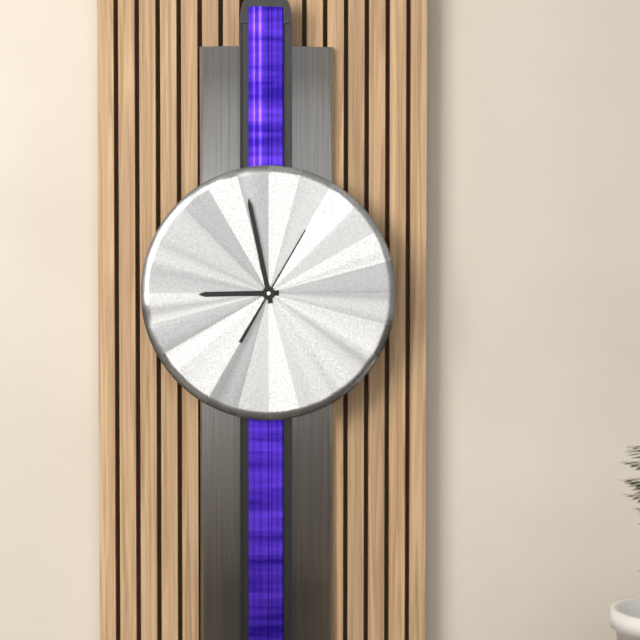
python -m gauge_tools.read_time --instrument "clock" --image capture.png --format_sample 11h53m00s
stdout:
8h58m05s
